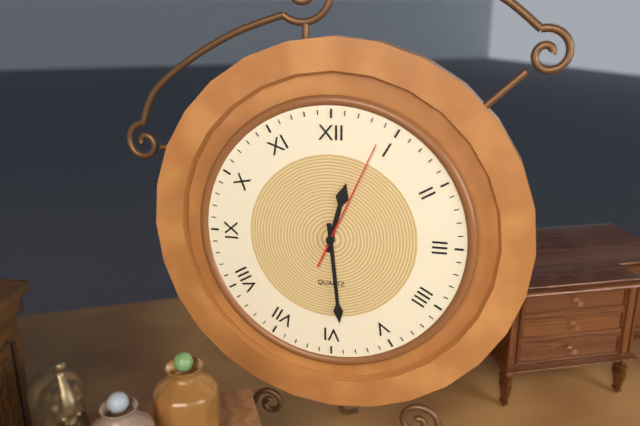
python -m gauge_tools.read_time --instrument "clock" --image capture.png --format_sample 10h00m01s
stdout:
12h29m04s
